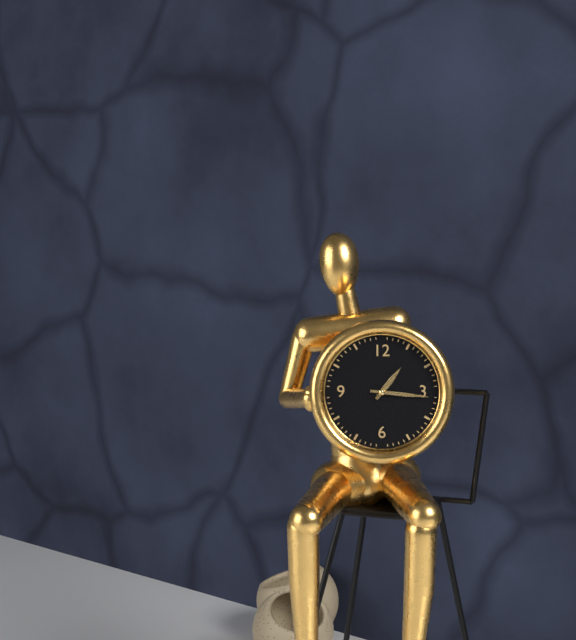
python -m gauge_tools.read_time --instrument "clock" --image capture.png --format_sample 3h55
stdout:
1h16
